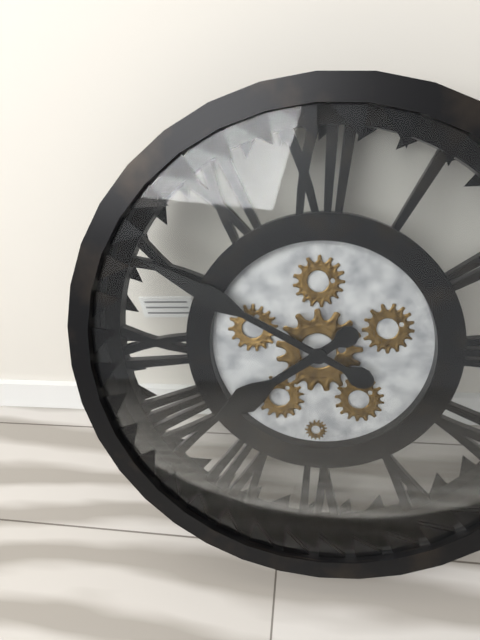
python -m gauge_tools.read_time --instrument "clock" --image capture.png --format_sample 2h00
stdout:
7h50
